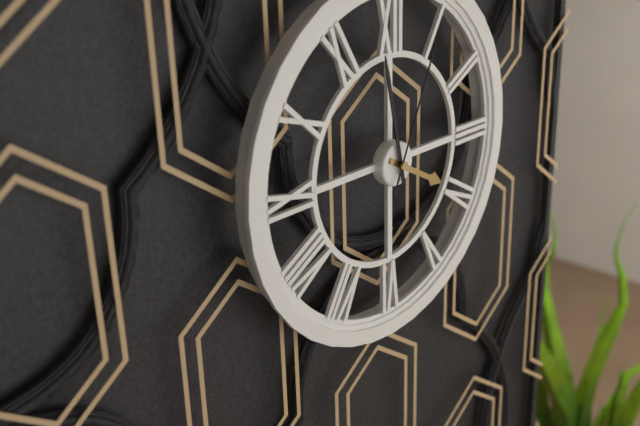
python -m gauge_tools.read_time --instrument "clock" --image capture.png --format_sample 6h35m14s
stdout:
3h58m04s
